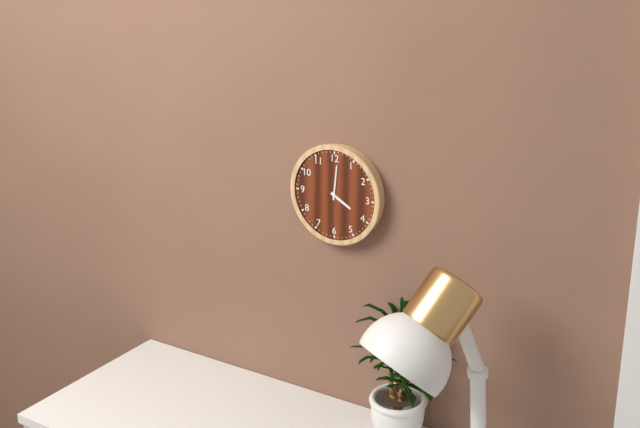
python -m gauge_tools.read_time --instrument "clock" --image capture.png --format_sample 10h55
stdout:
4h01
